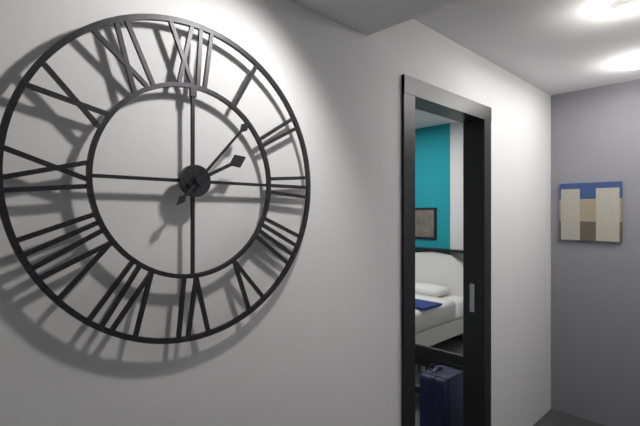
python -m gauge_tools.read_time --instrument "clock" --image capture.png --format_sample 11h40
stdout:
2h07
